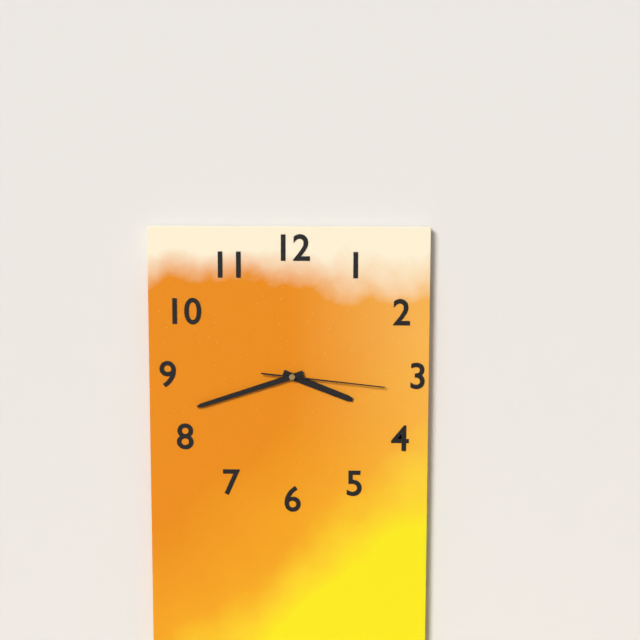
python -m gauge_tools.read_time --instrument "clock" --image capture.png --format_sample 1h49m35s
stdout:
3h42m16s
